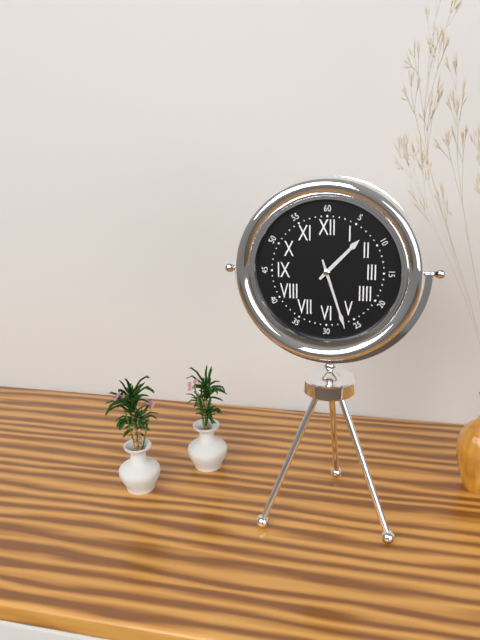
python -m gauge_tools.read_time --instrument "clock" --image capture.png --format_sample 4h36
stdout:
1h27
